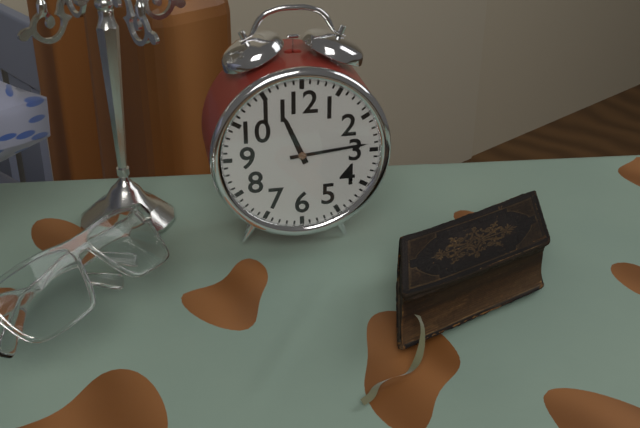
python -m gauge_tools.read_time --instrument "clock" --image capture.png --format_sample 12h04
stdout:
11h14
